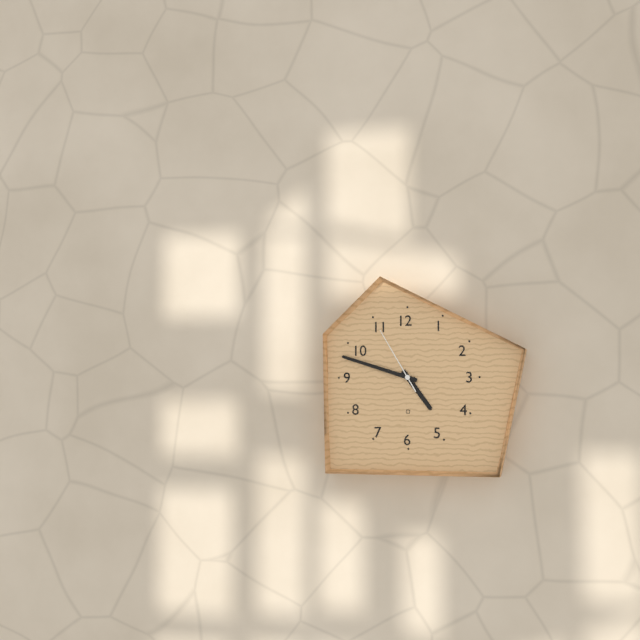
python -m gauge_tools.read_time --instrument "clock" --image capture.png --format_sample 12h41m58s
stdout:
4h48m55s
